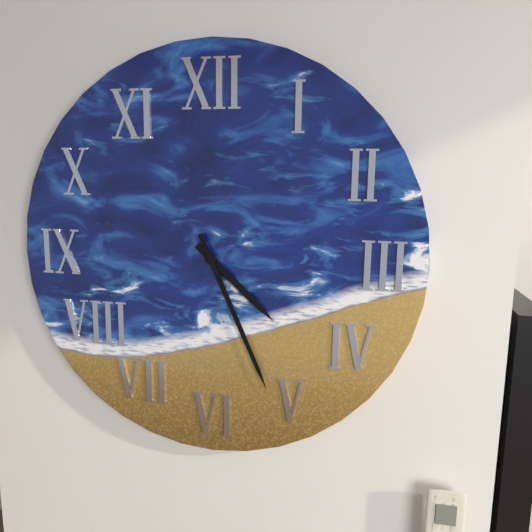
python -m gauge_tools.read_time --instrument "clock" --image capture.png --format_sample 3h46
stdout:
4h26
